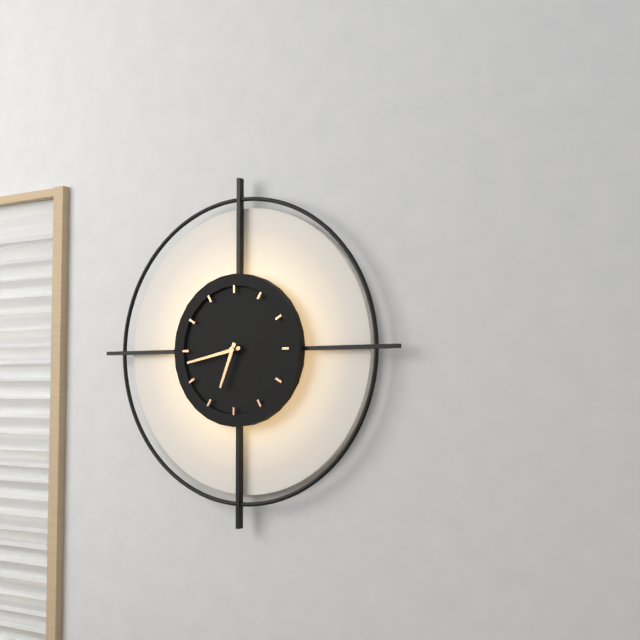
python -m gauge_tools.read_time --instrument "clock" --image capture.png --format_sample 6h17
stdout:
6h43
